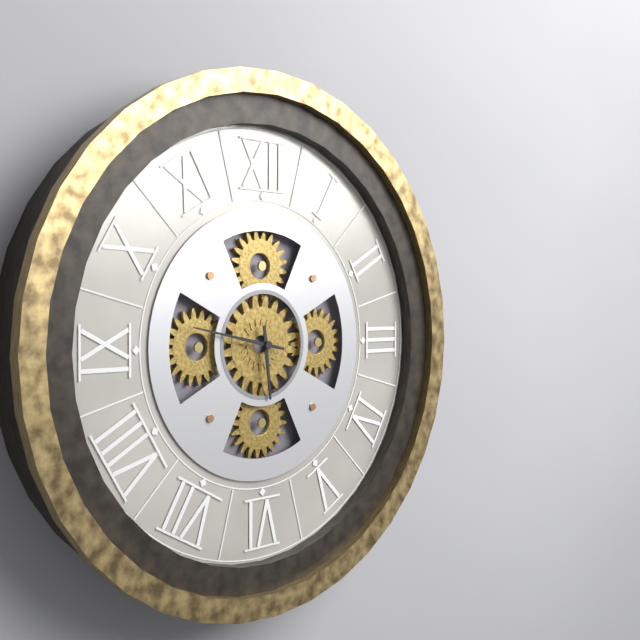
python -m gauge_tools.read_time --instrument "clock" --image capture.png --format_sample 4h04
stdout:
5h47
